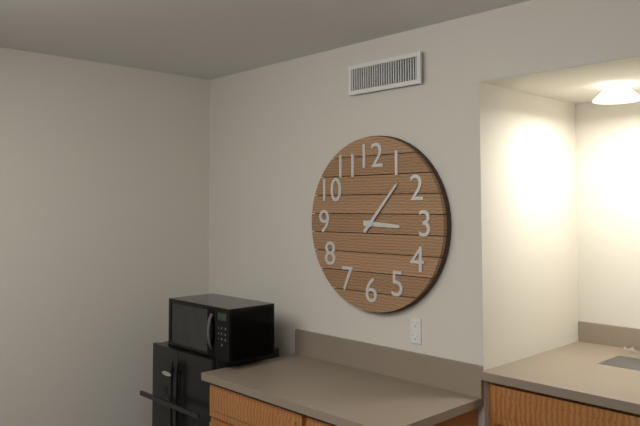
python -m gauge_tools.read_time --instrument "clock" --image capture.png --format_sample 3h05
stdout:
3h07
